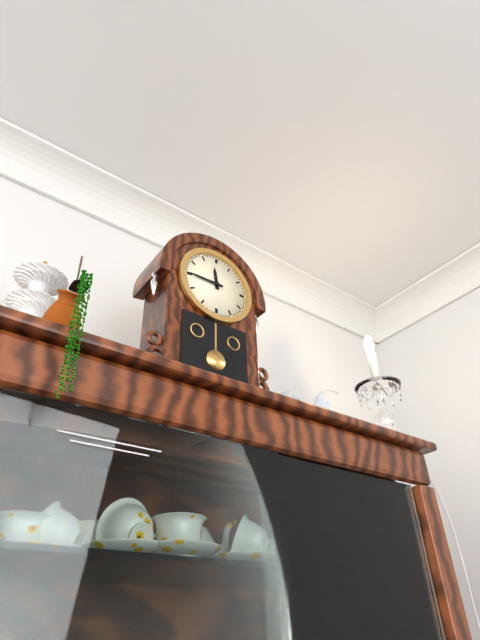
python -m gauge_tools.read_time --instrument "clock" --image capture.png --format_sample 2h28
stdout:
11h45
